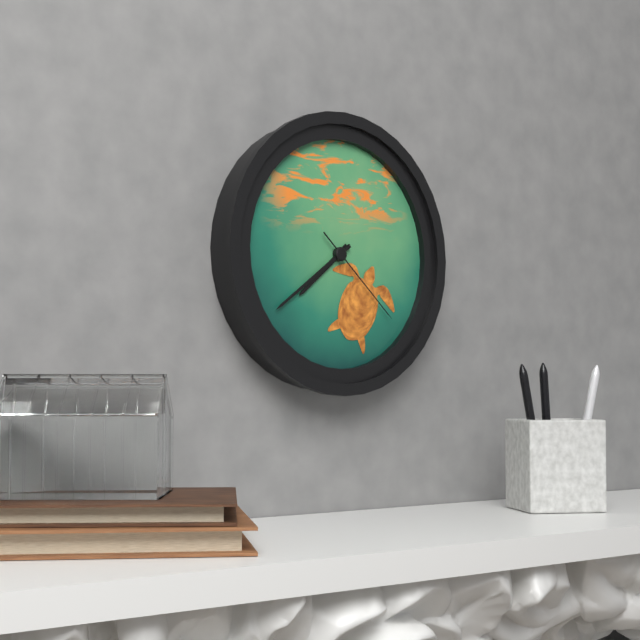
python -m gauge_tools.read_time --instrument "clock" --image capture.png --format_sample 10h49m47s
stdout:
7h39m22s
